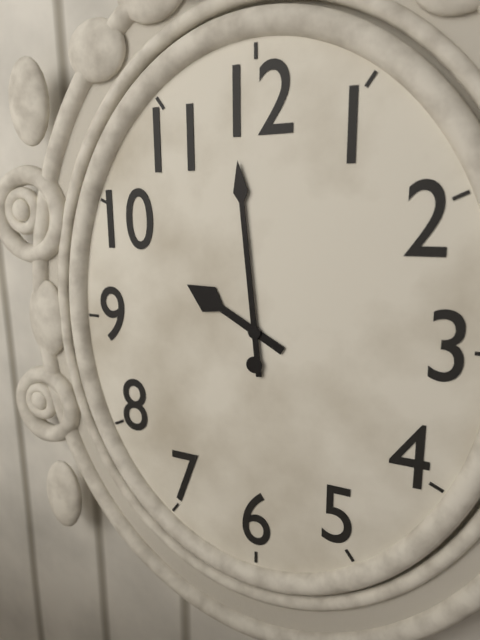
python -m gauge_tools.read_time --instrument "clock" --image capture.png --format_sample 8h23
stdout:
9h59
